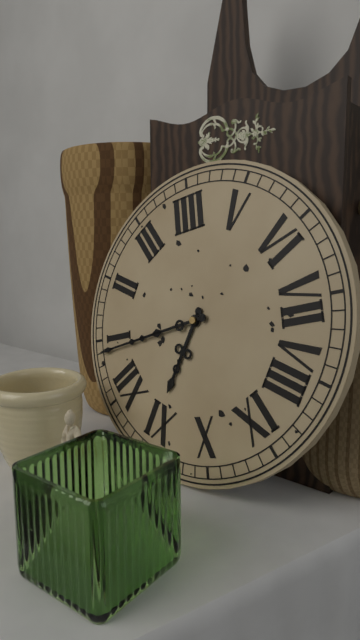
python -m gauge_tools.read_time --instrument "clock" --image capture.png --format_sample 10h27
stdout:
11h04
